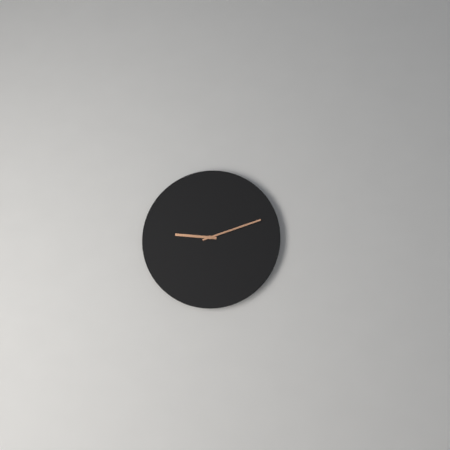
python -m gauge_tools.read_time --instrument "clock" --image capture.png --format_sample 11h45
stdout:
9h12
